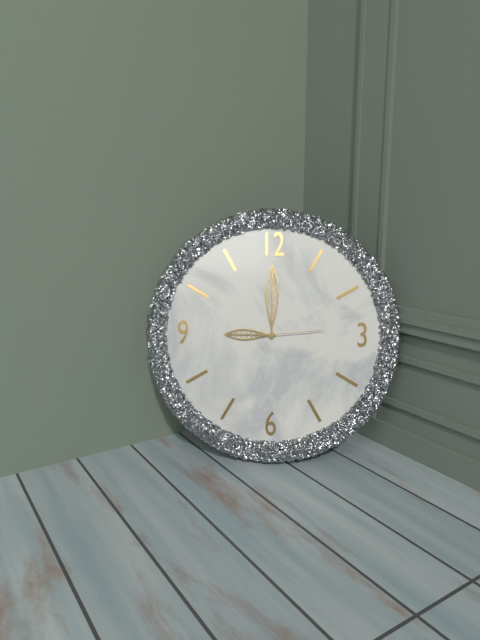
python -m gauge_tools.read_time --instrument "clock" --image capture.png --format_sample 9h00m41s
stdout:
9h00m14s
